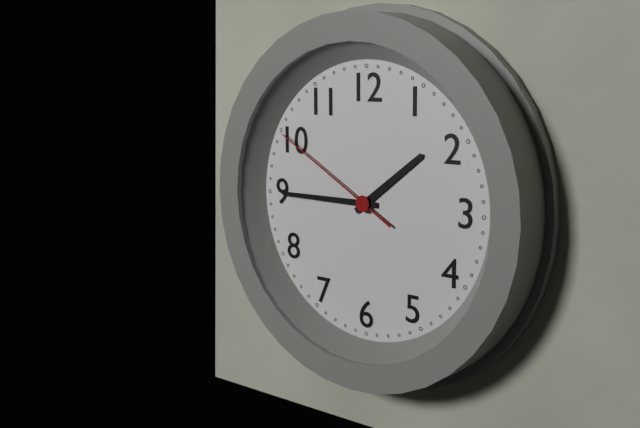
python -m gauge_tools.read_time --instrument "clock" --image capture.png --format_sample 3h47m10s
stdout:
1h45m50s
